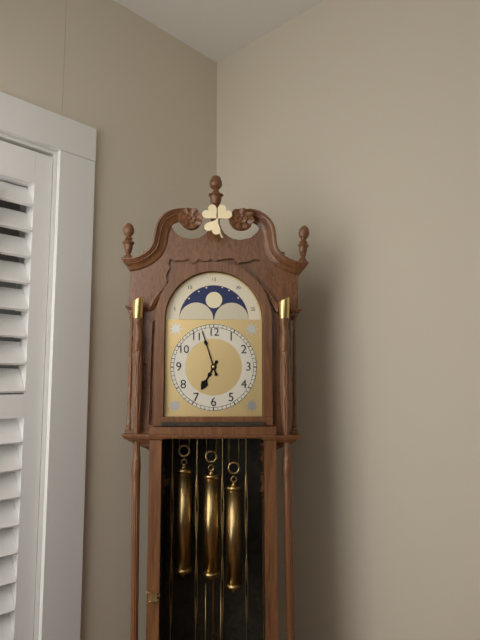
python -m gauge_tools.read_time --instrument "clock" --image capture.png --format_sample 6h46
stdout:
6h57
